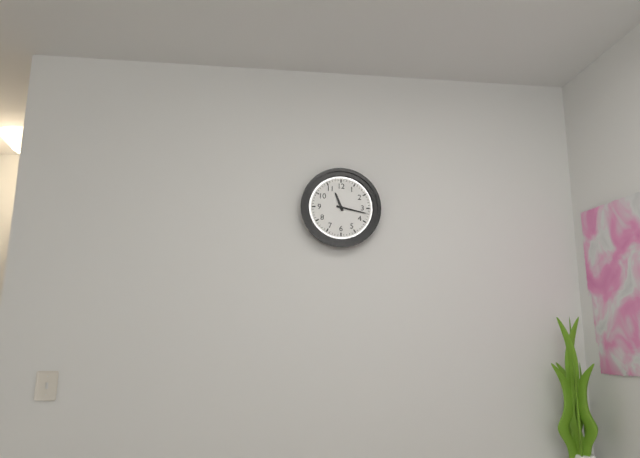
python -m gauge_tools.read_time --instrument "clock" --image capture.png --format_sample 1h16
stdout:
11h17
